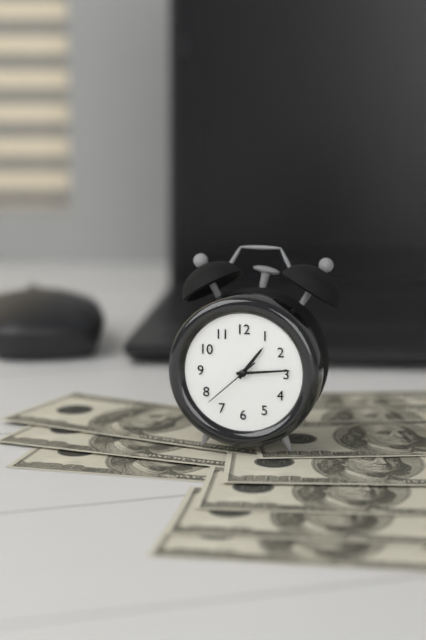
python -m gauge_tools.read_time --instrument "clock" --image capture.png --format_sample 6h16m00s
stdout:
1h14m38s
